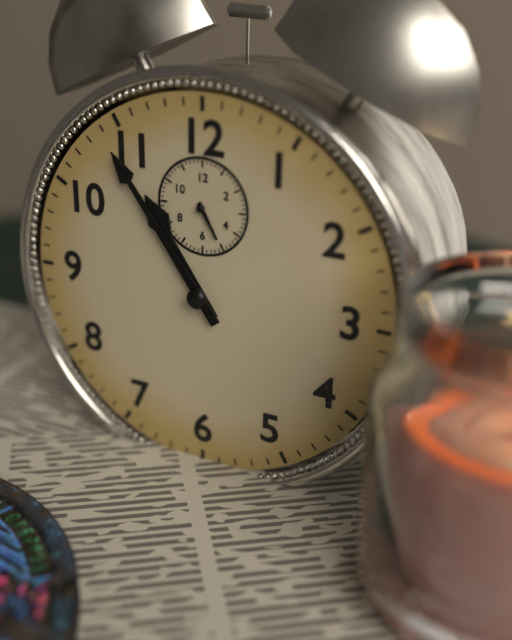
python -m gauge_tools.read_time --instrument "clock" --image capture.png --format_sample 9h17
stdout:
10h54
